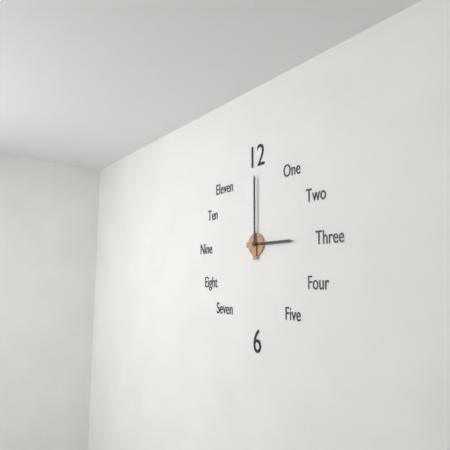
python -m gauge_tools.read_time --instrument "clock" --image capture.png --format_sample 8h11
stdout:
3h00
